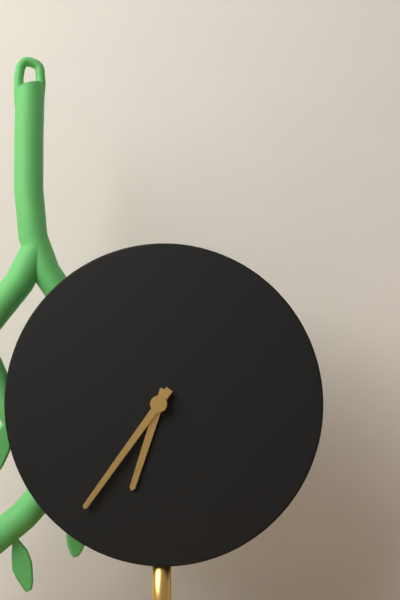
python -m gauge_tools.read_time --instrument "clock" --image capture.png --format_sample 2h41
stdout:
6h36
